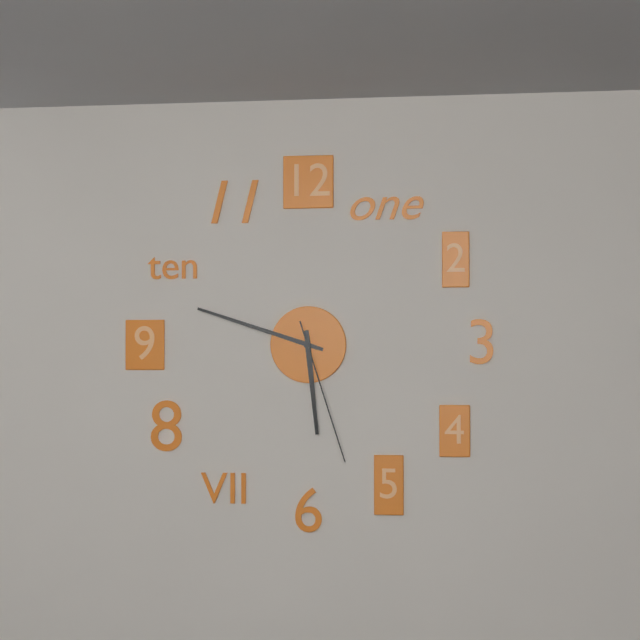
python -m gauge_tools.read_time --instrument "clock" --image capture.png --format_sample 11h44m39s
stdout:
5h48m27s
